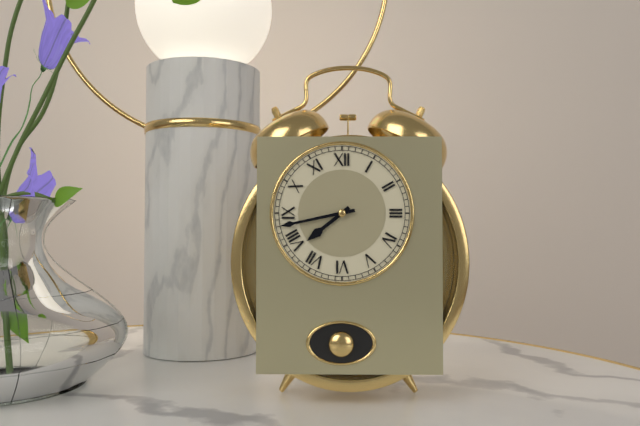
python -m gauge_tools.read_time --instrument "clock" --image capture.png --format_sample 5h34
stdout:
7h43
